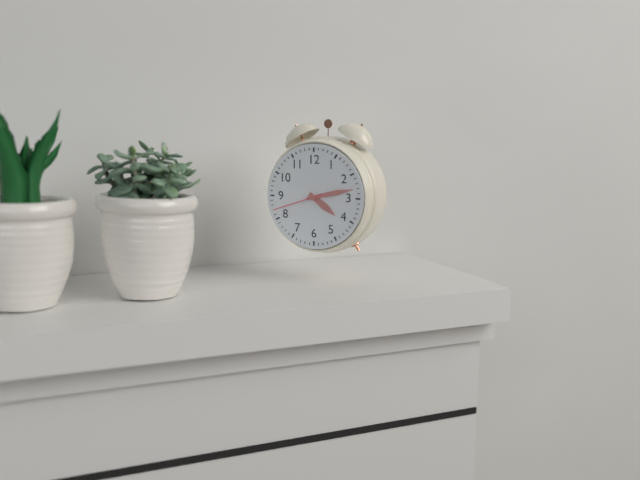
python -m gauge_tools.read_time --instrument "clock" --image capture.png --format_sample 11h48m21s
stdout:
4h13m42s
